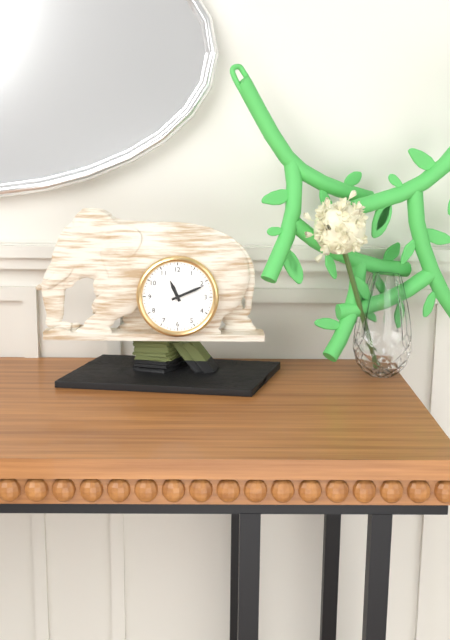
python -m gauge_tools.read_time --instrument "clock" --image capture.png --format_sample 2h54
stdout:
11h11
